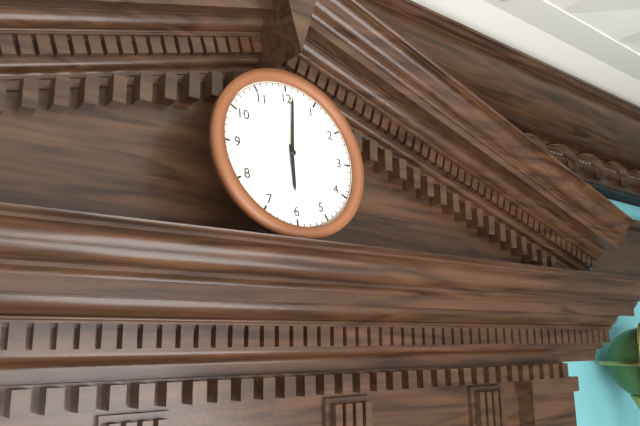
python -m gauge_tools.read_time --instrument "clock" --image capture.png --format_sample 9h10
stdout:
6h01
